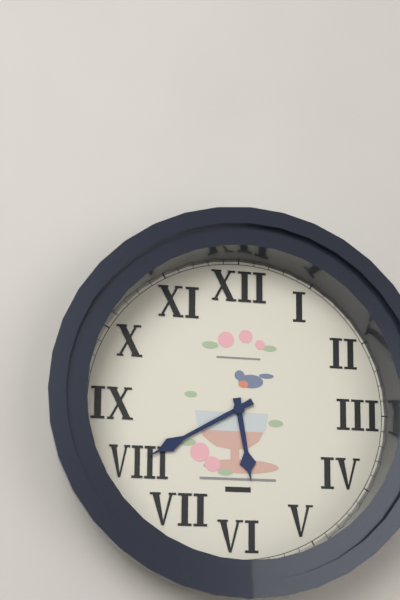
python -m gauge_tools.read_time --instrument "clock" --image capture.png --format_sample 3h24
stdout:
5h40
